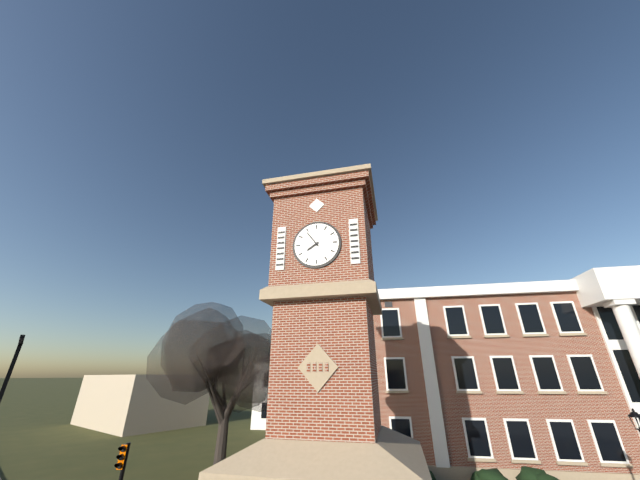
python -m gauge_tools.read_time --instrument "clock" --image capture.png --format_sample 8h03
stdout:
7h54
